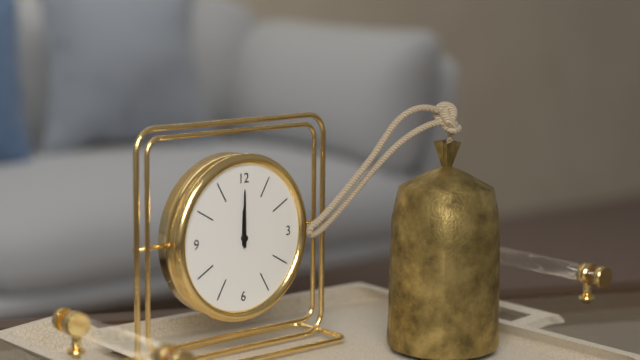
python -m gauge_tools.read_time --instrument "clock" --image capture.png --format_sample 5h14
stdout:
12h00
